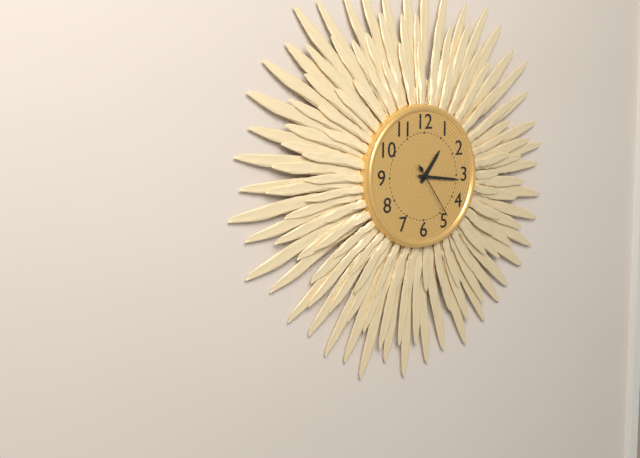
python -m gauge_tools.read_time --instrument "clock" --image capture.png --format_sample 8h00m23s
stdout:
1h16m24s
